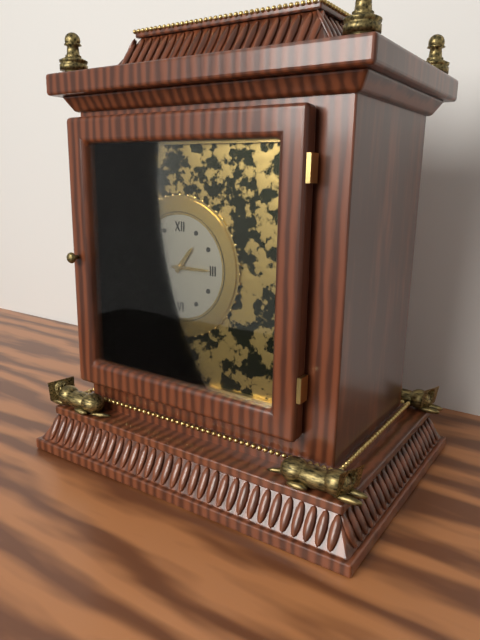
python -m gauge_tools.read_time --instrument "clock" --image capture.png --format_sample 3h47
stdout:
1h15
